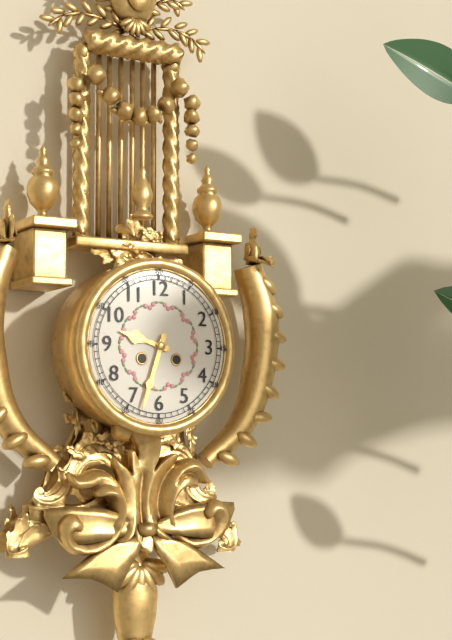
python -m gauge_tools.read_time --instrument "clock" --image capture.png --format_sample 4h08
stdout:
9h33
